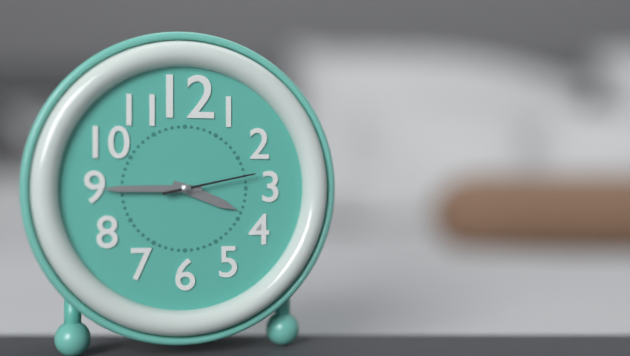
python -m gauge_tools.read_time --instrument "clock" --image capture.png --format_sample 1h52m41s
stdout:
3h45m13s
